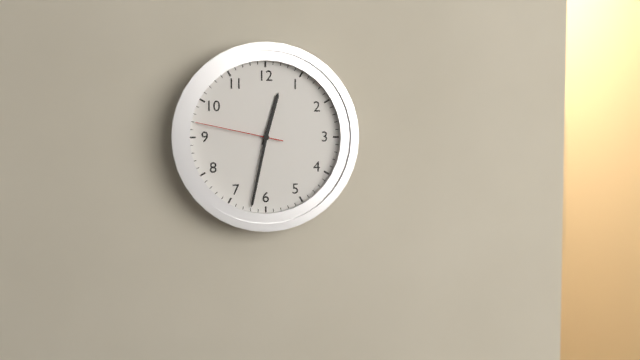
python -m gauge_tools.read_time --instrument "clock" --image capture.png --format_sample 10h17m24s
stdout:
12h32m47s
